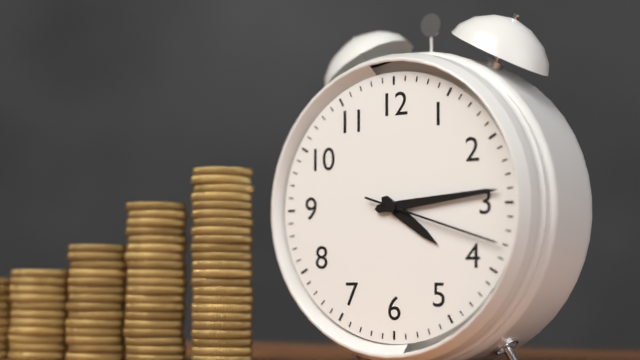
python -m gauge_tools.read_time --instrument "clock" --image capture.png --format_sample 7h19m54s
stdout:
4h14m18s
